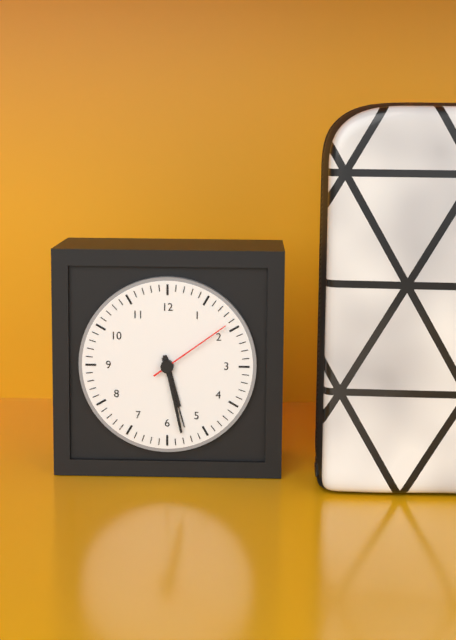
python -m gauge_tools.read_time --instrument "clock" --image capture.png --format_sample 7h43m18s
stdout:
5h28m09s
